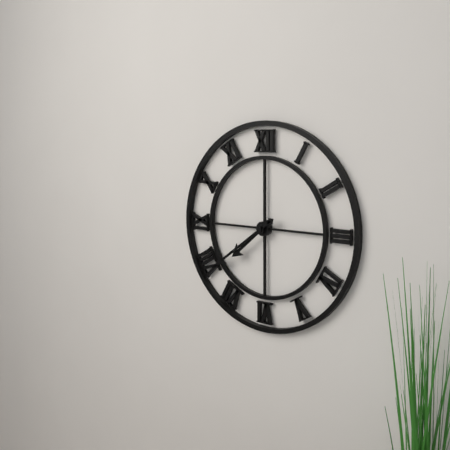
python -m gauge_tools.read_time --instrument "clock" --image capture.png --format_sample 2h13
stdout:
7h39
